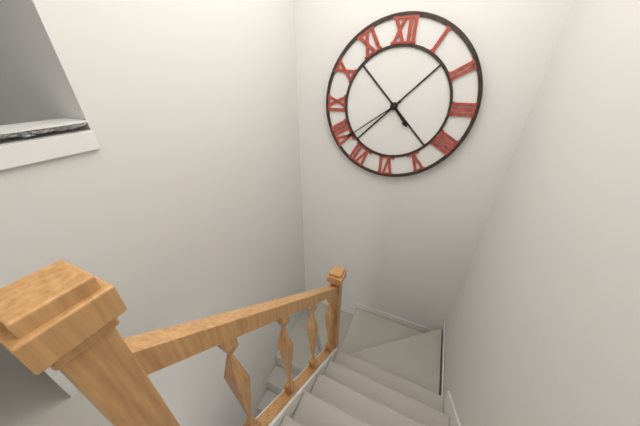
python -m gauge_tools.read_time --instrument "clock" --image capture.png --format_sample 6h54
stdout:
4h39
